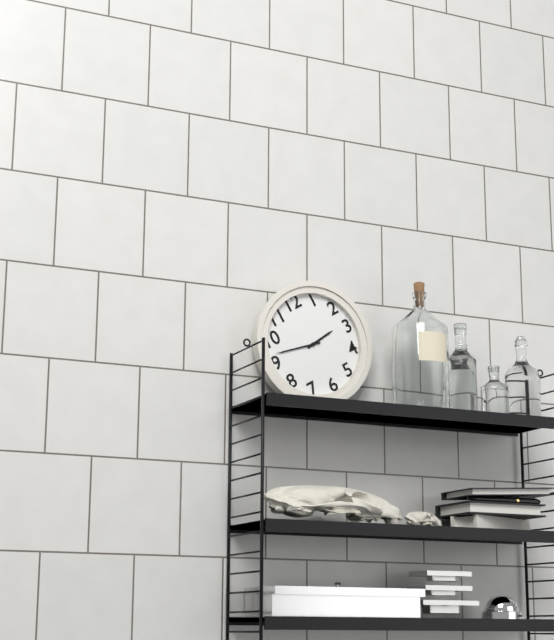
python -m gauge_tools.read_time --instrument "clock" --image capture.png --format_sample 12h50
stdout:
2h47
